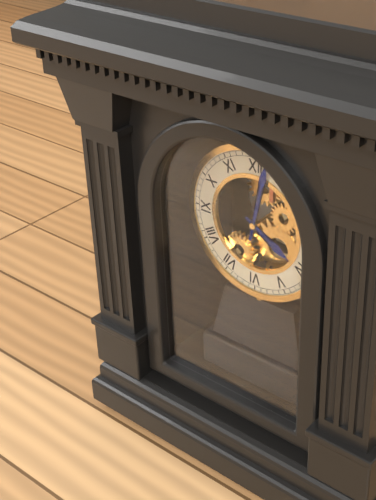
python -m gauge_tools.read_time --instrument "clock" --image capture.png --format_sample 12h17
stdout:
4h02
